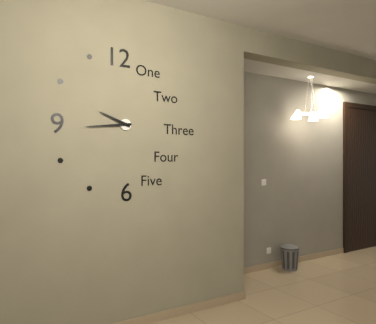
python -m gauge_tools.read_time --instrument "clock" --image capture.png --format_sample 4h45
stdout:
9h44
